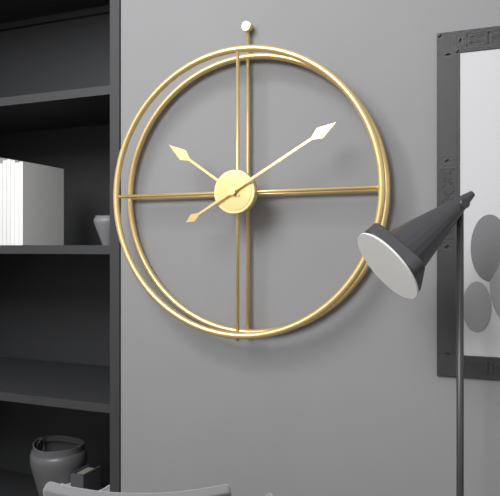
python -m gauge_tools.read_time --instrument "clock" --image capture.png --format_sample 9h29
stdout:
10h10
